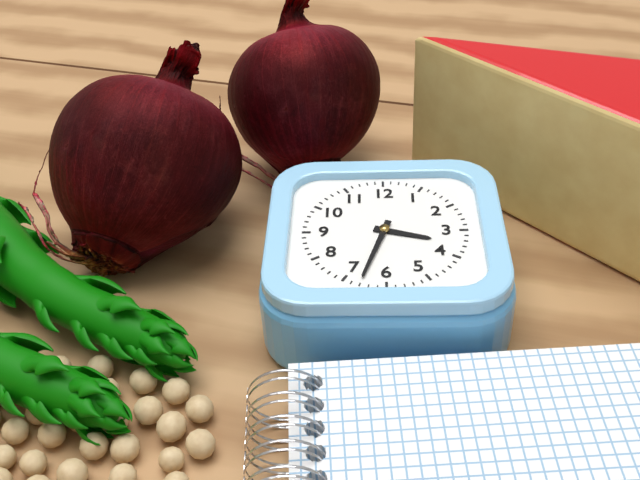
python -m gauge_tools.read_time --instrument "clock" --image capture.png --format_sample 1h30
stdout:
3h33
